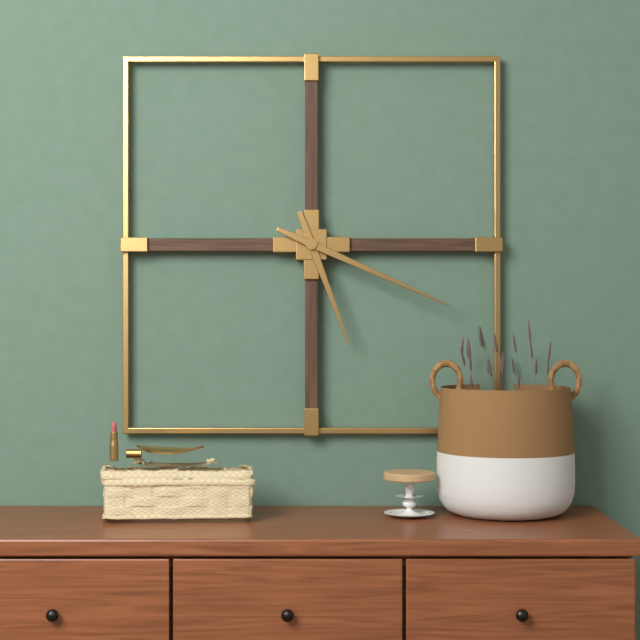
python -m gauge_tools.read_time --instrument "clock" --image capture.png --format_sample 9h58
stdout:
5h19
